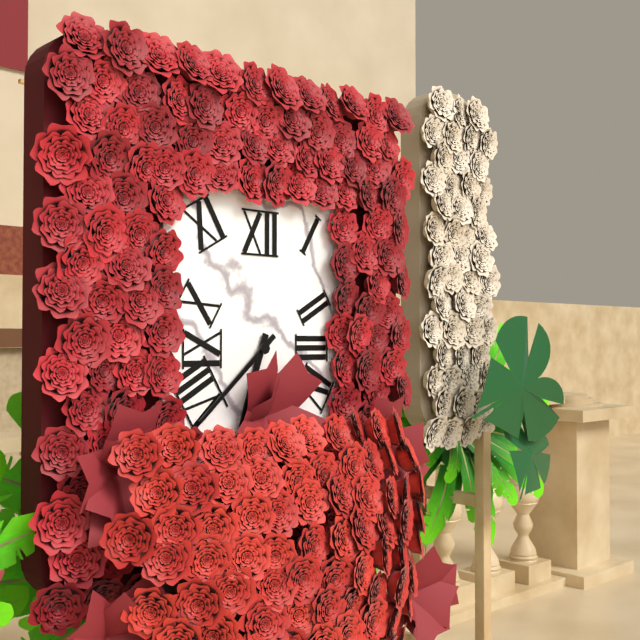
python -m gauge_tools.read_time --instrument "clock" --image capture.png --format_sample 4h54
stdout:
6h38
